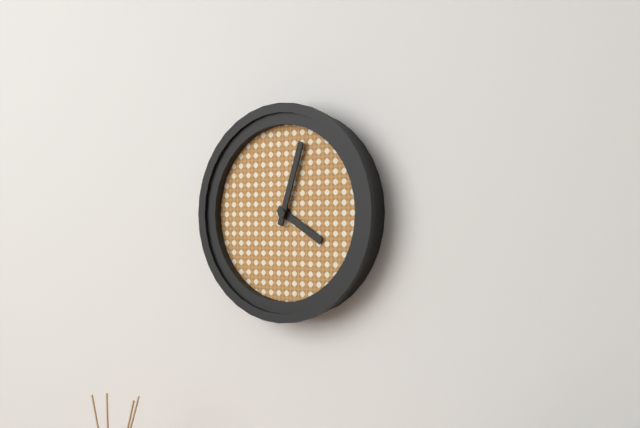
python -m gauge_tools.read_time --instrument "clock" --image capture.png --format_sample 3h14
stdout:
4h03
